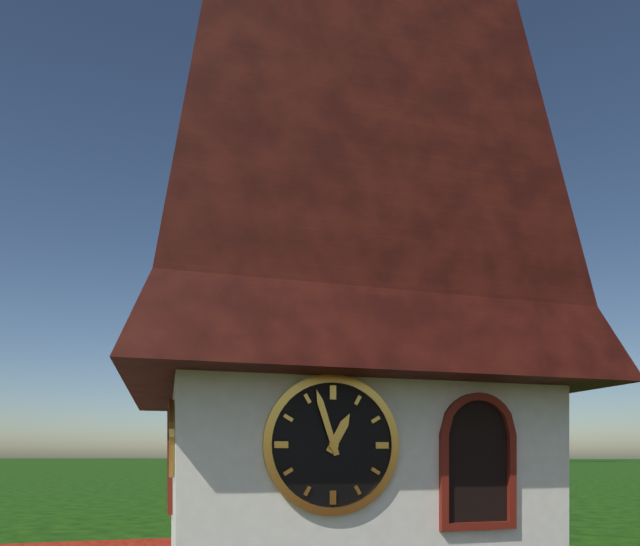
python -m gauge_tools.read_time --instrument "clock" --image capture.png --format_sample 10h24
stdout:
12h57
